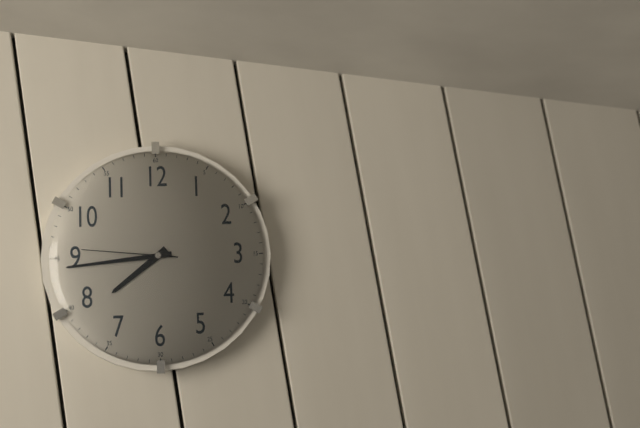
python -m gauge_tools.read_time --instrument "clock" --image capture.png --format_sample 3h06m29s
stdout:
7h44m46s
